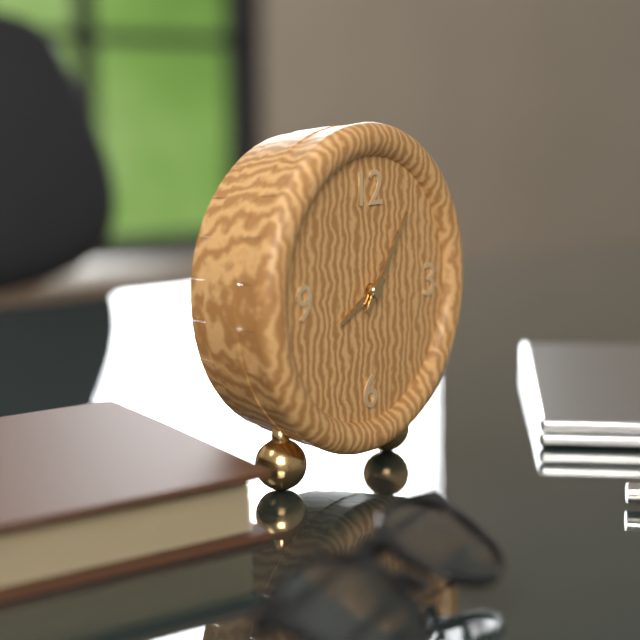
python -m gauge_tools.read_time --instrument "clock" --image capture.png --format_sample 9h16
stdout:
8h06
